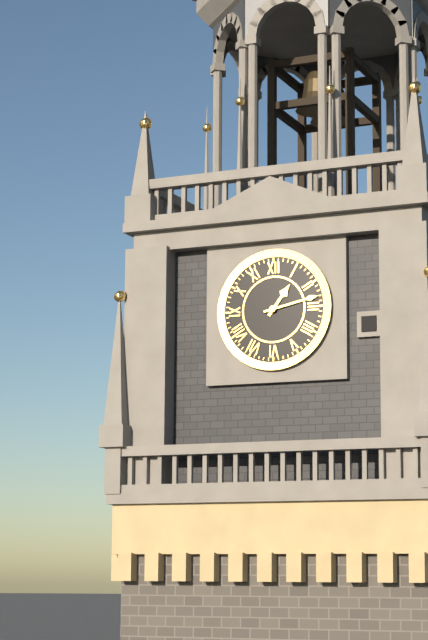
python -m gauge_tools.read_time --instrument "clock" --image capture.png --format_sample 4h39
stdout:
1h13
